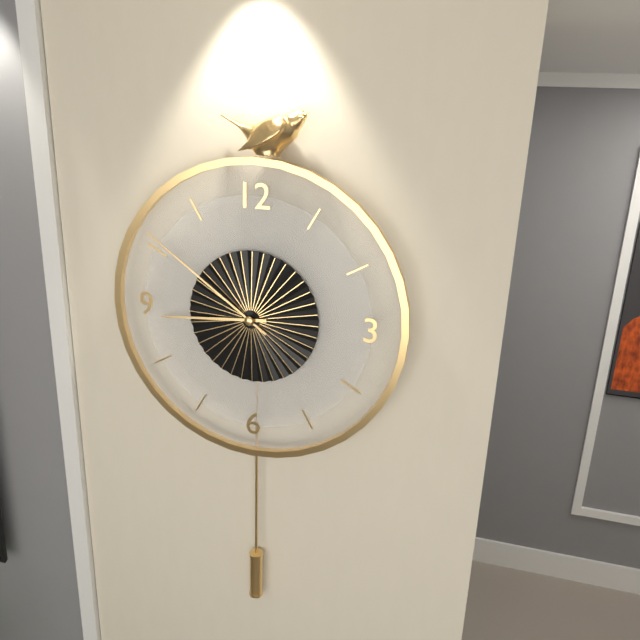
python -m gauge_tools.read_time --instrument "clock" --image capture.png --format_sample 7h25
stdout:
8h51
